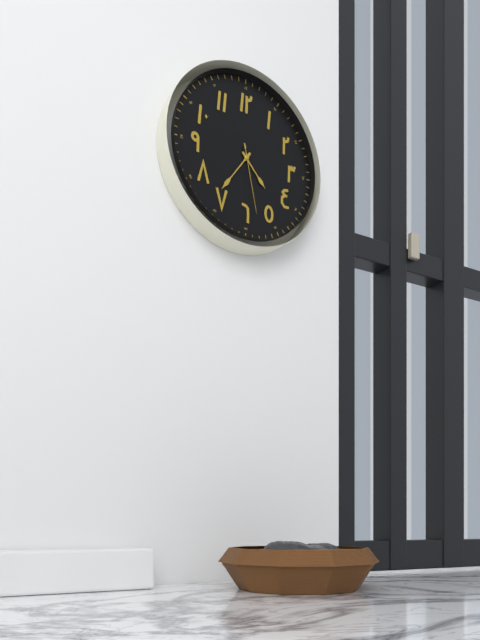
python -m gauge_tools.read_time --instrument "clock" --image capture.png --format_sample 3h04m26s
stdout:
4h36m28s
